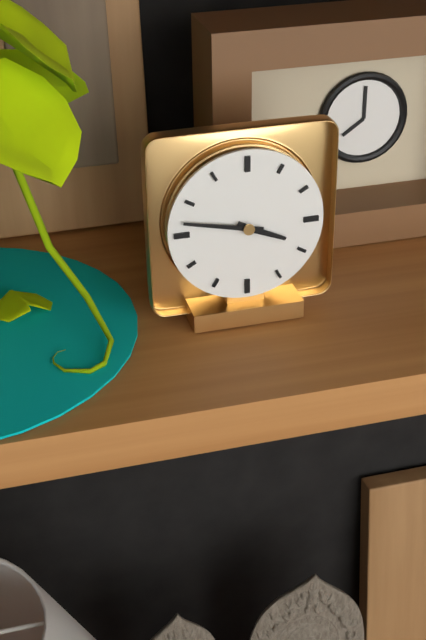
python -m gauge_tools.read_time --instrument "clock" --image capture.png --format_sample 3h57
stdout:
3h47
